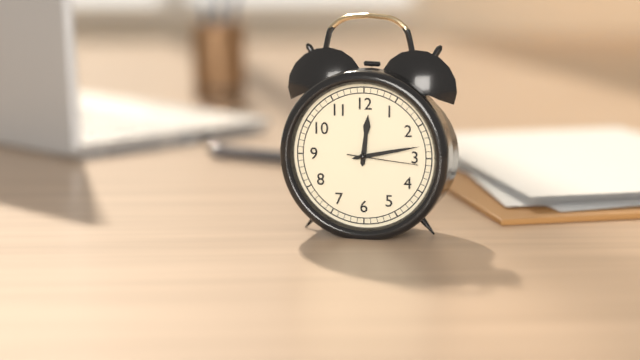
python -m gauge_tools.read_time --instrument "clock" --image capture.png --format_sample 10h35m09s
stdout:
12h13m16s
